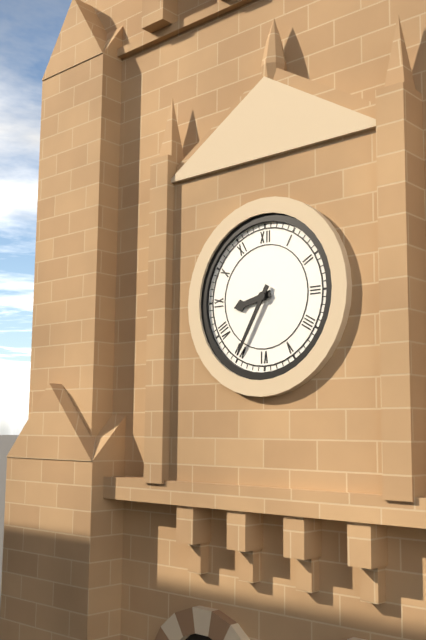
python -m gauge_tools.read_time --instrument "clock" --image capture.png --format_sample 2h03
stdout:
8h35
